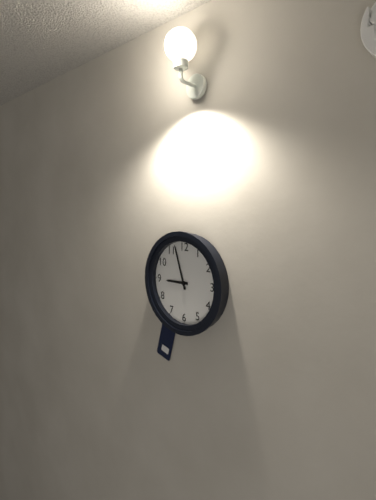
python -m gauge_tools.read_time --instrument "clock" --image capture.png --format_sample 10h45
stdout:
8h57
